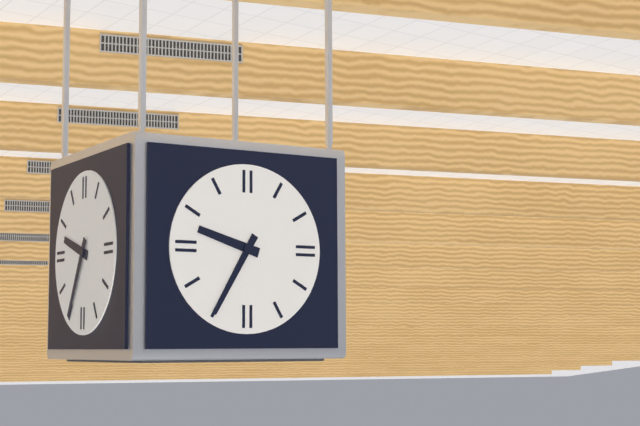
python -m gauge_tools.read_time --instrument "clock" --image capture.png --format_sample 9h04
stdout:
9h35
